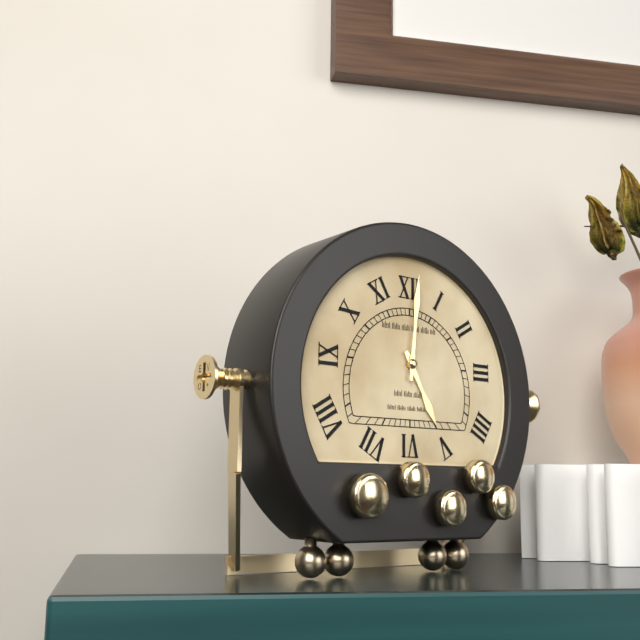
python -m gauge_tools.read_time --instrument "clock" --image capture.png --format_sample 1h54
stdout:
5h01
